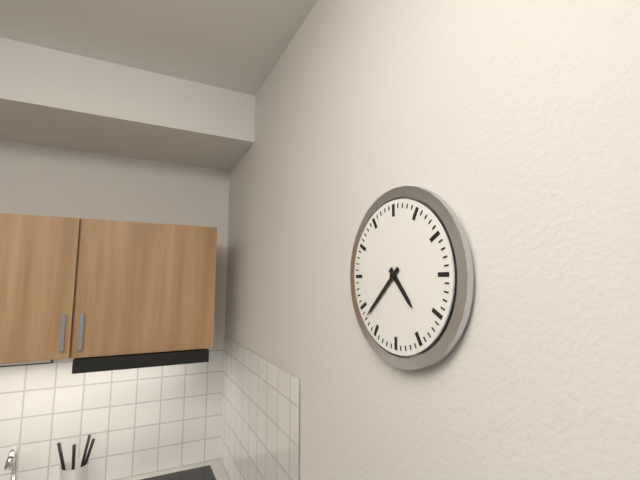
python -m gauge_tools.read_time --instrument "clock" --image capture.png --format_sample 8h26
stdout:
4h38
